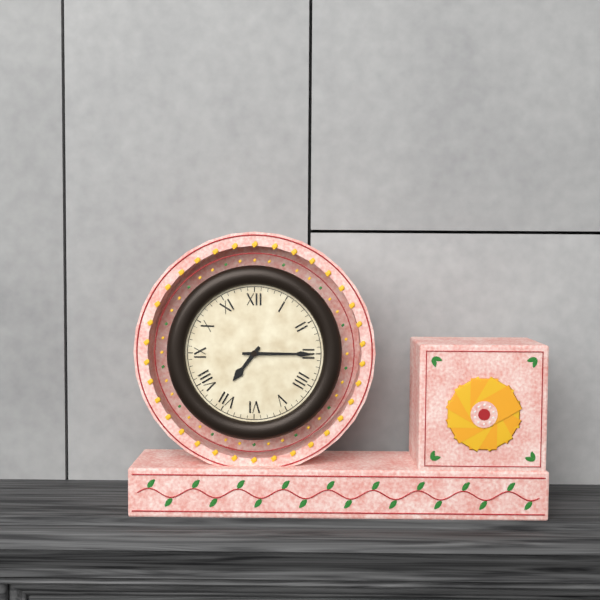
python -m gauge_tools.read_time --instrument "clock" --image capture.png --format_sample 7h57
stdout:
7h15
